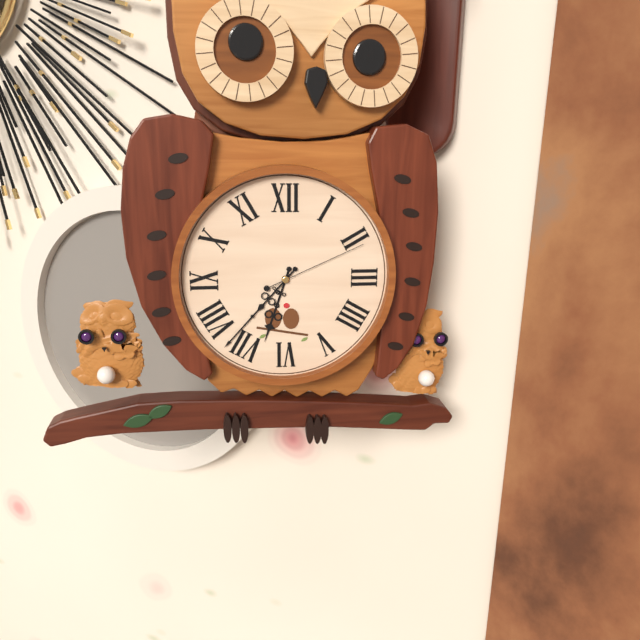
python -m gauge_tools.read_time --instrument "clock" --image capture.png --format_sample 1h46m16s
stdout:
6h37m11s
